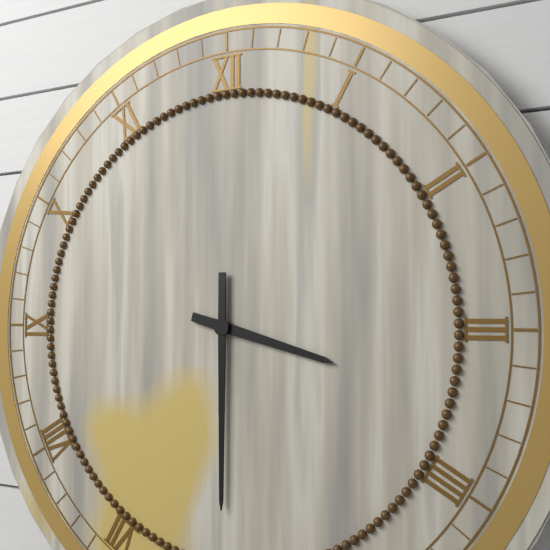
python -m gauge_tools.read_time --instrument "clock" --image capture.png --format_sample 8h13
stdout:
3h30
